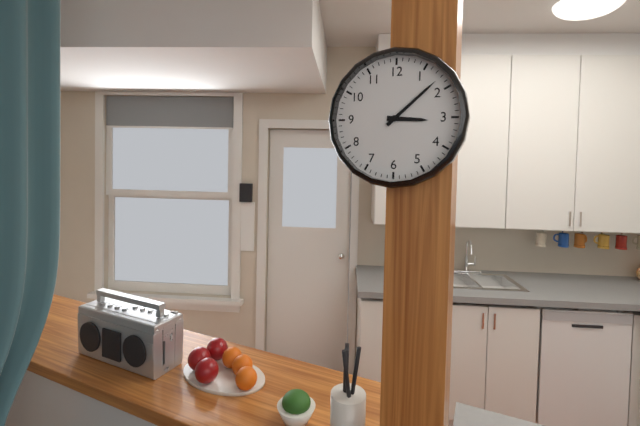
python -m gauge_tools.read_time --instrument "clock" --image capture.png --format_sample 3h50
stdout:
3h08
